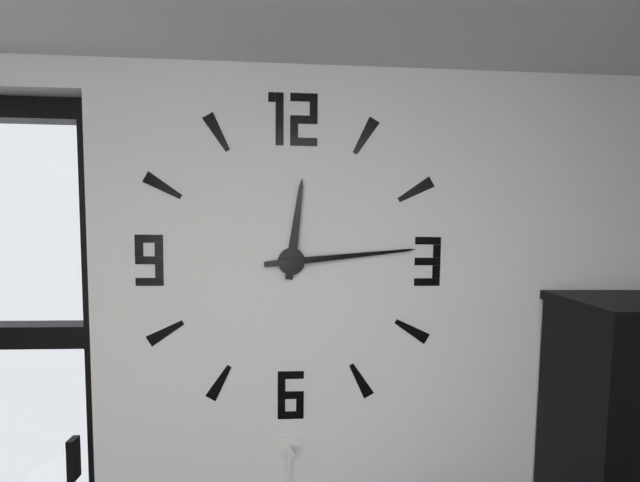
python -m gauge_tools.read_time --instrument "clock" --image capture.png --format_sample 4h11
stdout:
12h14
